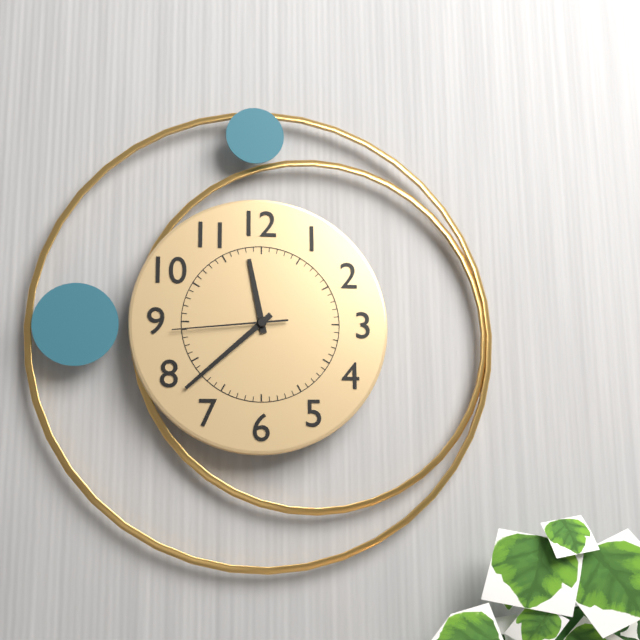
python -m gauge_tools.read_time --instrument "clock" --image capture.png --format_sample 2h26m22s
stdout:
11h38m44s
